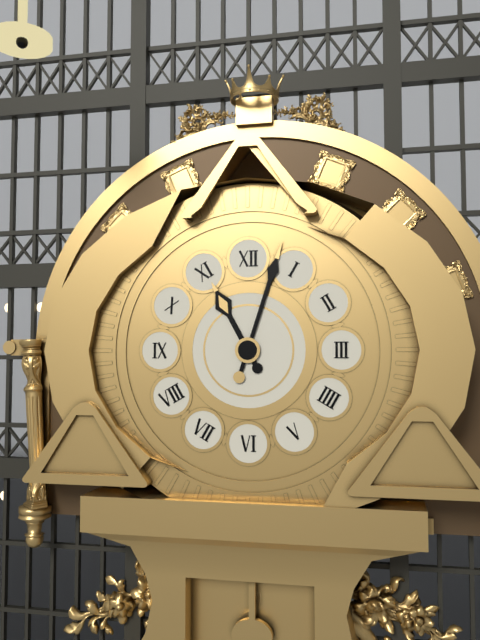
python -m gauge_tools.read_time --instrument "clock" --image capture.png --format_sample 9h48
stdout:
11h03
